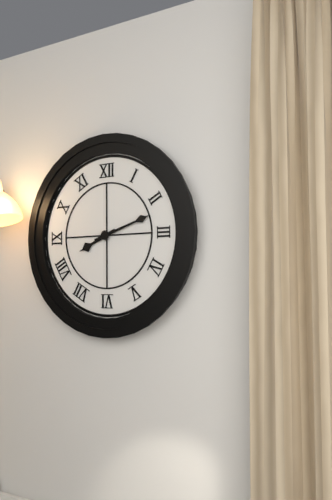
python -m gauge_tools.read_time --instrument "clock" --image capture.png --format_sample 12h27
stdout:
8h12
